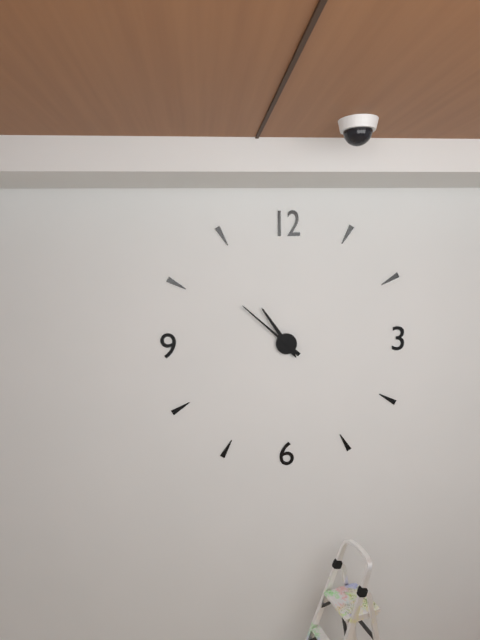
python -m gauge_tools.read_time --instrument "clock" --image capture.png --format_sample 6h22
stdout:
10h52
